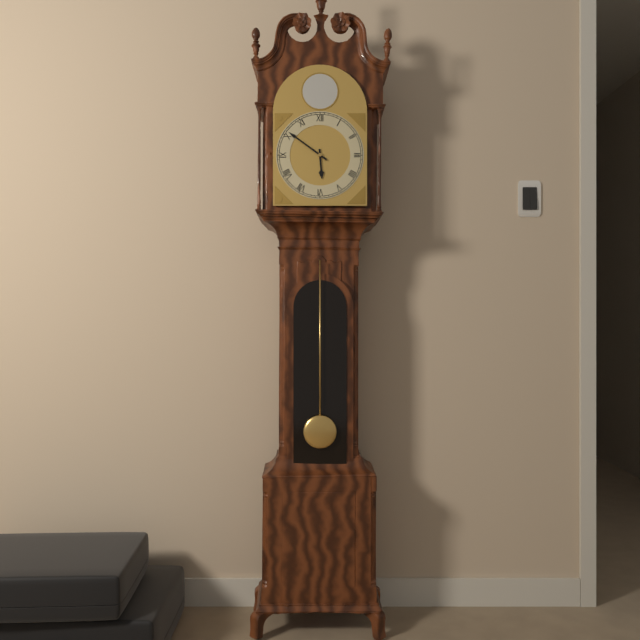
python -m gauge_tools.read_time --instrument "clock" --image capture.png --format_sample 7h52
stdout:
5h51
